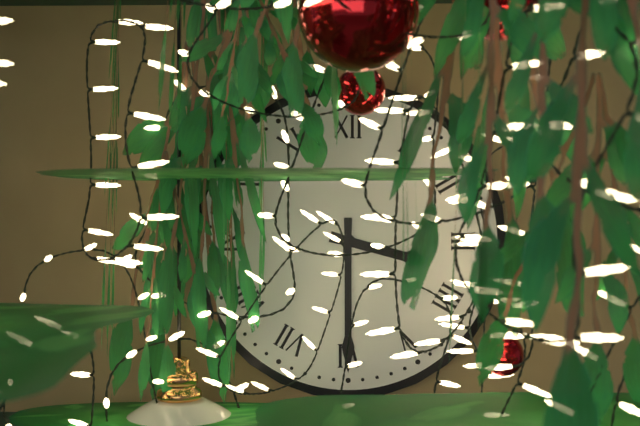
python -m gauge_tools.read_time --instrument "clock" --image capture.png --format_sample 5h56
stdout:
3h30
